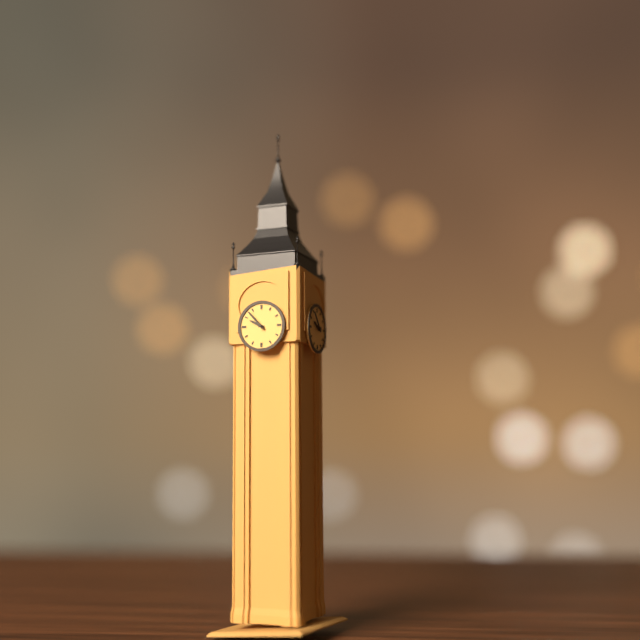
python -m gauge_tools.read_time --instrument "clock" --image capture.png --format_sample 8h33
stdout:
9h53
